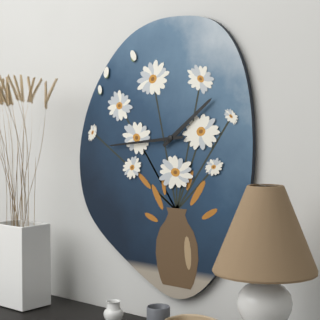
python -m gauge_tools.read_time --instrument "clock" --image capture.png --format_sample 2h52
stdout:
1h44
